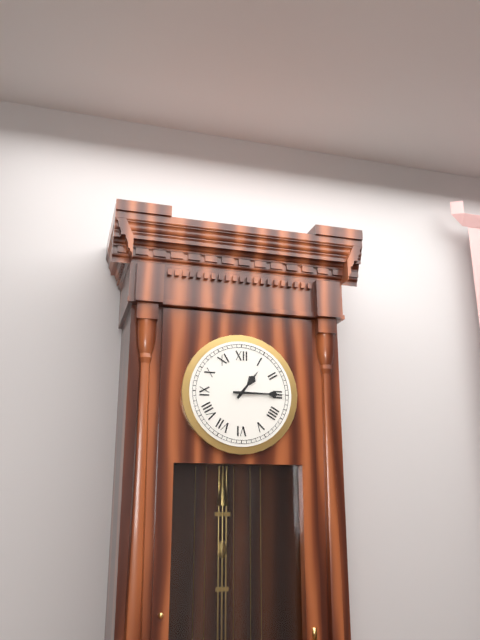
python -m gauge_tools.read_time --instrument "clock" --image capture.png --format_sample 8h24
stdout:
1h15
